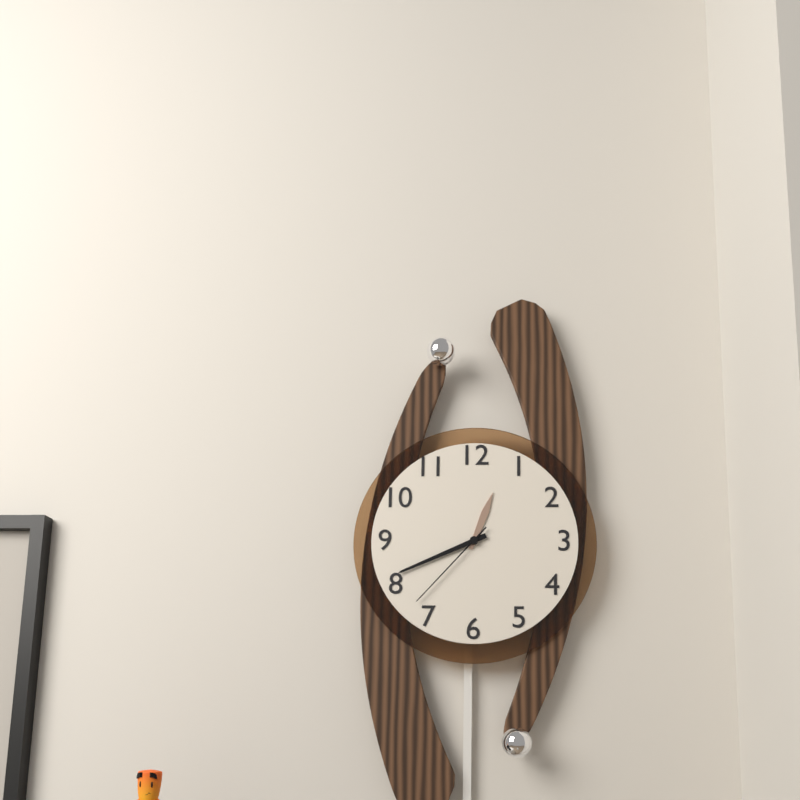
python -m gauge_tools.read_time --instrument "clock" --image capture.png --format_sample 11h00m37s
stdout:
12h41m37s
